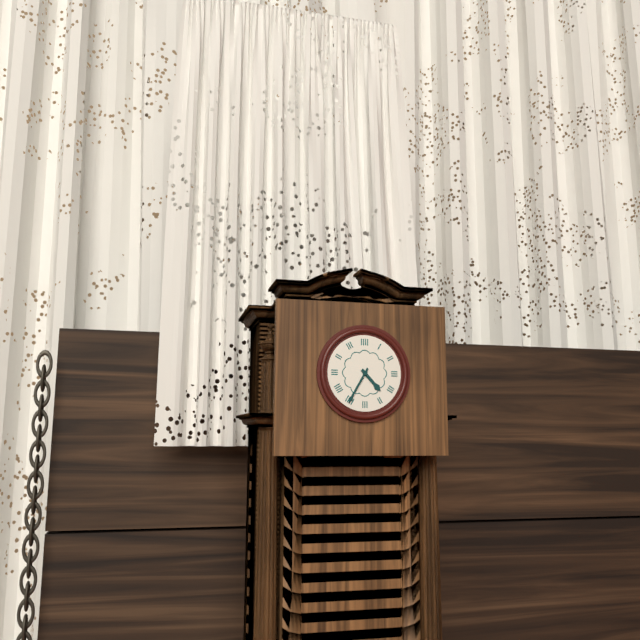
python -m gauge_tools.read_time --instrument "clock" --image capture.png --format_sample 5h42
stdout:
4h35
